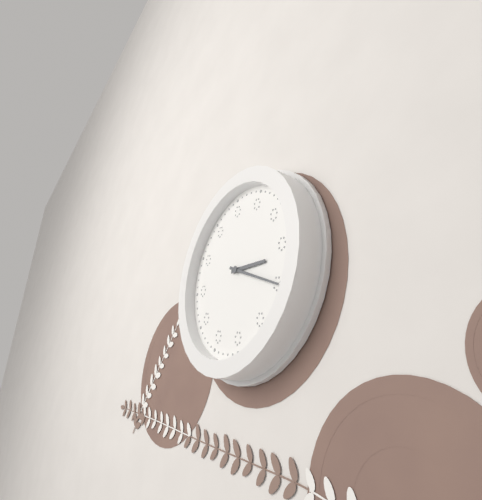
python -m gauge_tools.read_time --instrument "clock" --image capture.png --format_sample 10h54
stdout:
3h20
